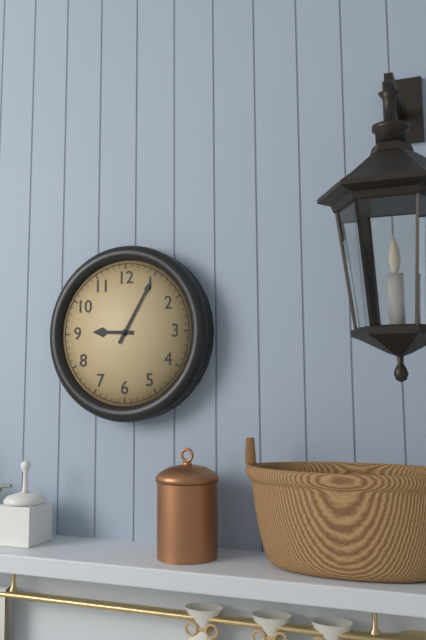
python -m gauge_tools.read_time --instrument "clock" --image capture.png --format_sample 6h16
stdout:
9h05
